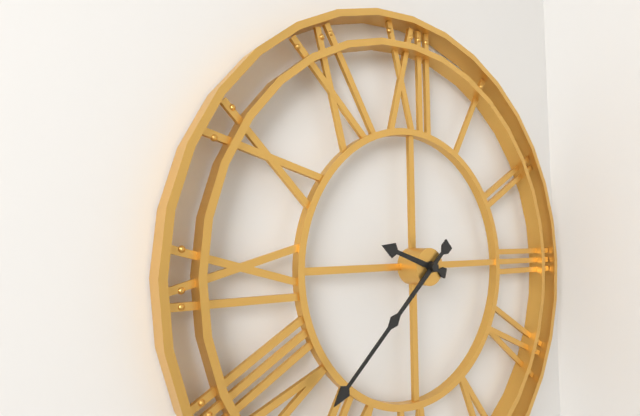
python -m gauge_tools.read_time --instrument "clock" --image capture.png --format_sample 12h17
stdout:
9h38
